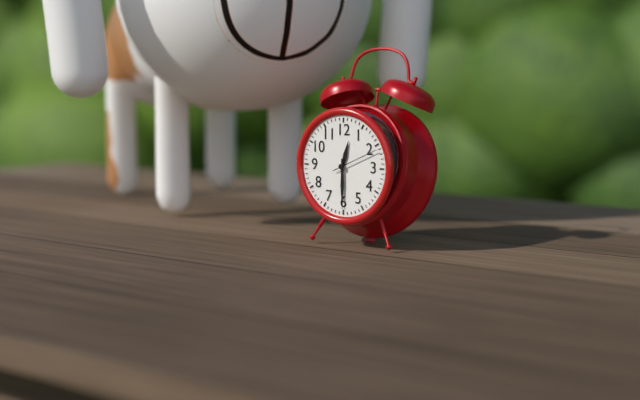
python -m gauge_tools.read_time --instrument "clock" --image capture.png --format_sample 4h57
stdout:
12h30
